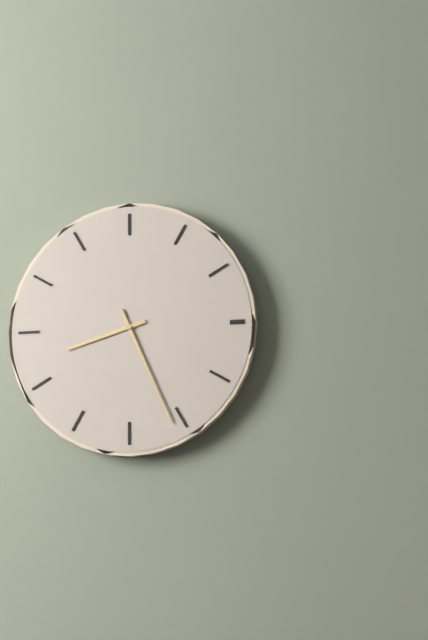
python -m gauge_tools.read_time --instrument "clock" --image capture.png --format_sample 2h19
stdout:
8h26
